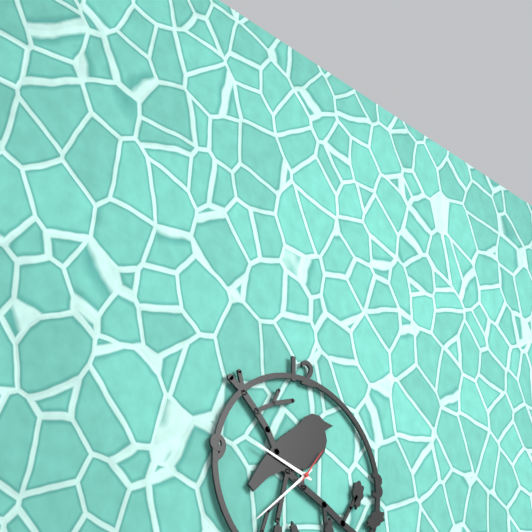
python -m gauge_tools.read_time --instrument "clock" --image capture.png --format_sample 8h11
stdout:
9h38
